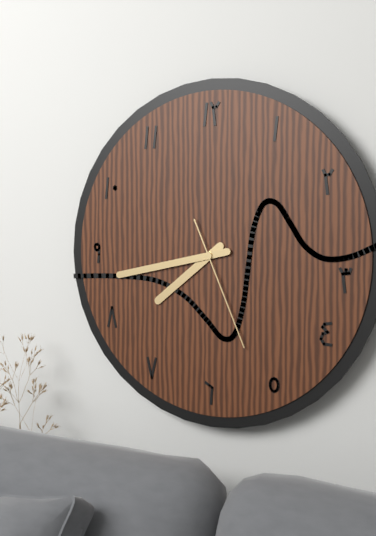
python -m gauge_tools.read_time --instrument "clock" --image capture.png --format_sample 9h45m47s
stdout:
7h43m26s
